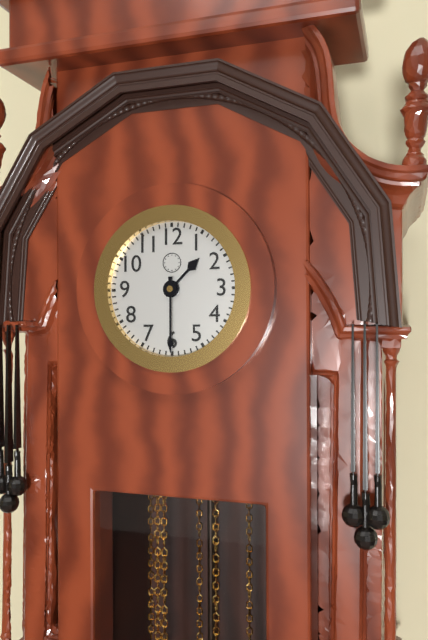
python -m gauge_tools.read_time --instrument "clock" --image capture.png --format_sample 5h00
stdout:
1h30
